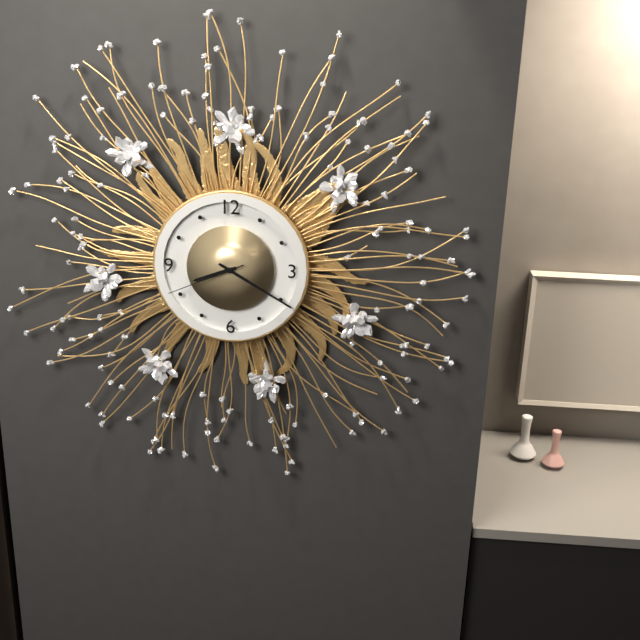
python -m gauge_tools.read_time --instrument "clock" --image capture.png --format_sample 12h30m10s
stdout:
8h20m41s
